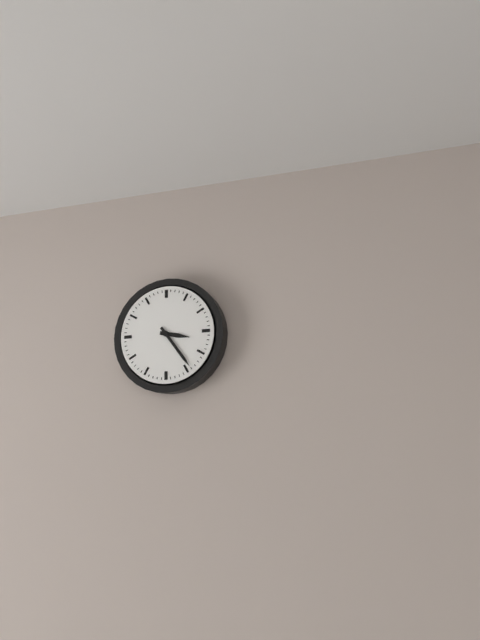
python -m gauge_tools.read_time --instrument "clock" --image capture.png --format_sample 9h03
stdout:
3h24
